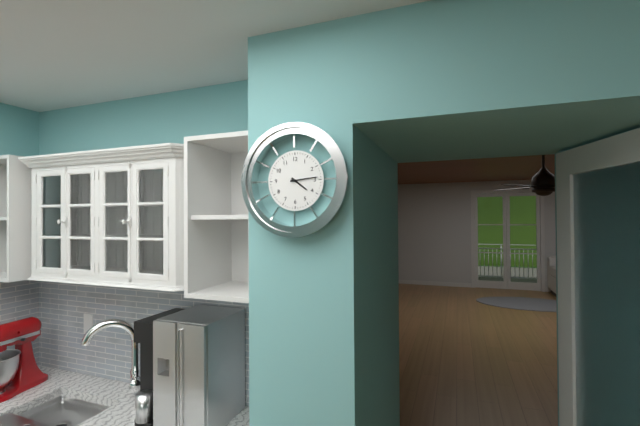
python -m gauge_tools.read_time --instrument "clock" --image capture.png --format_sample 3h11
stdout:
4h14
